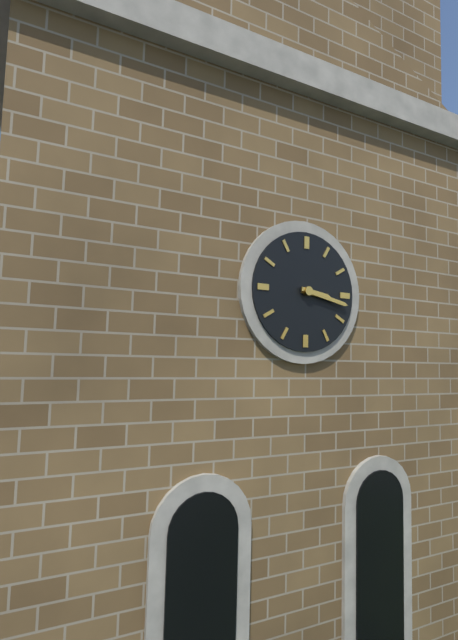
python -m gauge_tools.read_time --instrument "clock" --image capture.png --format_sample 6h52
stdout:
3h17
